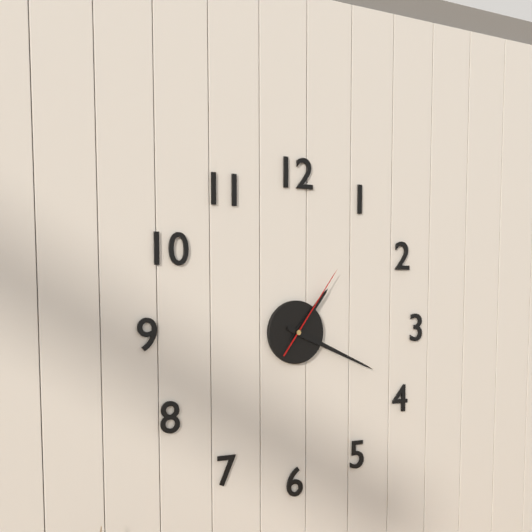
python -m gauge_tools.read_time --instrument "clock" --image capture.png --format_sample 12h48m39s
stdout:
1h19m06s
